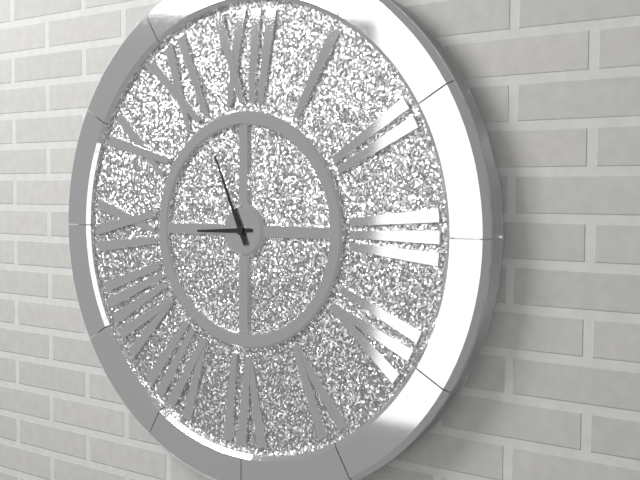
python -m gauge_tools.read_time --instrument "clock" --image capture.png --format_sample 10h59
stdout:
8h56
